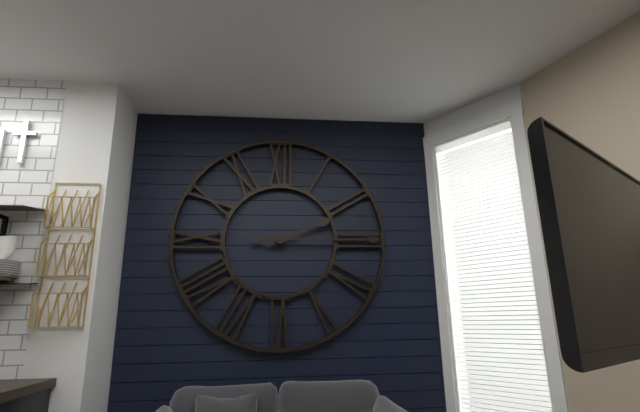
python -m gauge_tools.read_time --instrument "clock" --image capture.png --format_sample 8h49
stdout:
2h15
